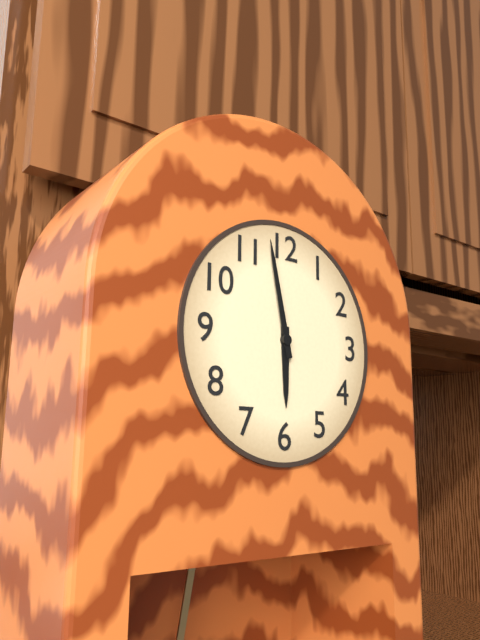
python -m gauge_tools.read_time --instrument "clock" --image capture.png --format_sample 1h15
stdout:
5h58
